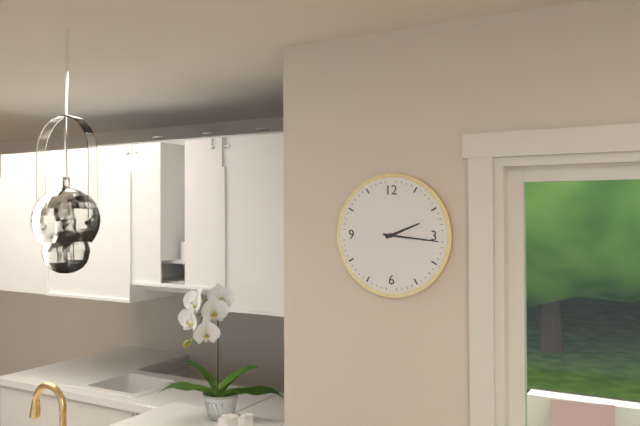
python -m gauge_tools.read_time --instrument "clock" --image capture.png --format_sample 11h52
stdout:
2h16
